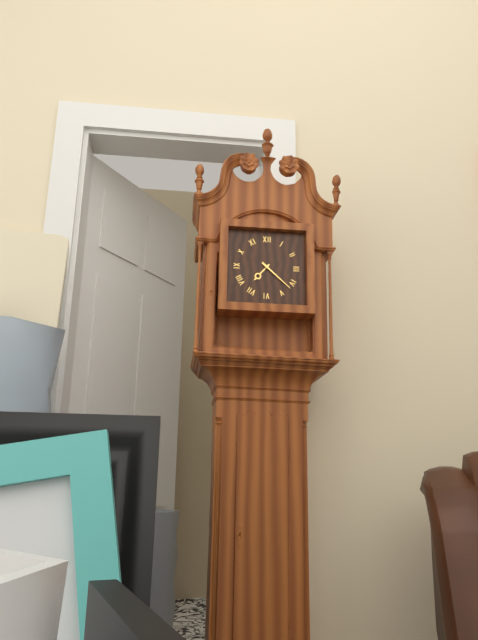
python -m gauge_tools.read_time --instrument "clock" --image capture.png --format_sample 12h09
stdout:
7h22
